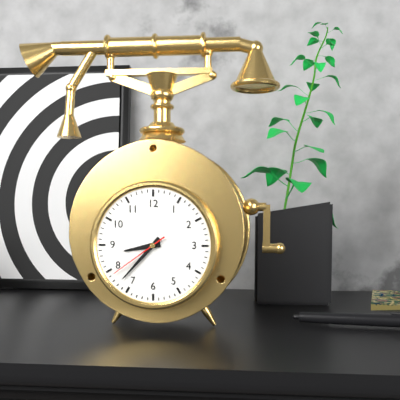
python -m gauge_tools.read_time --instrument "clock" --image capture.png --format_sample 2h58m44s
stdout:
8h37m39s
